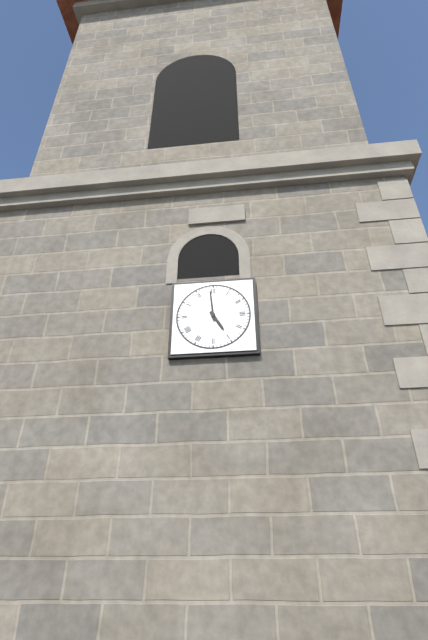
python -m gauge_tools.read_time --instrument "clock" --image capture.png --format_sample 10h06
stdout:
4h59
